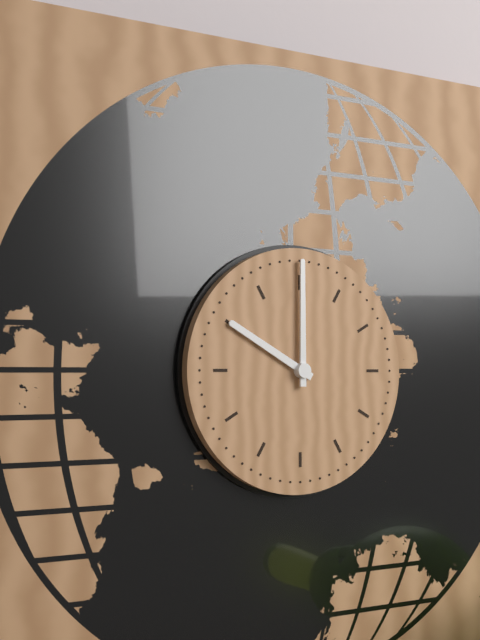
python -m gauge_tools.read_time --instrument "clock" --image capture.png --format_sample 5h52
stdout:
10h00
